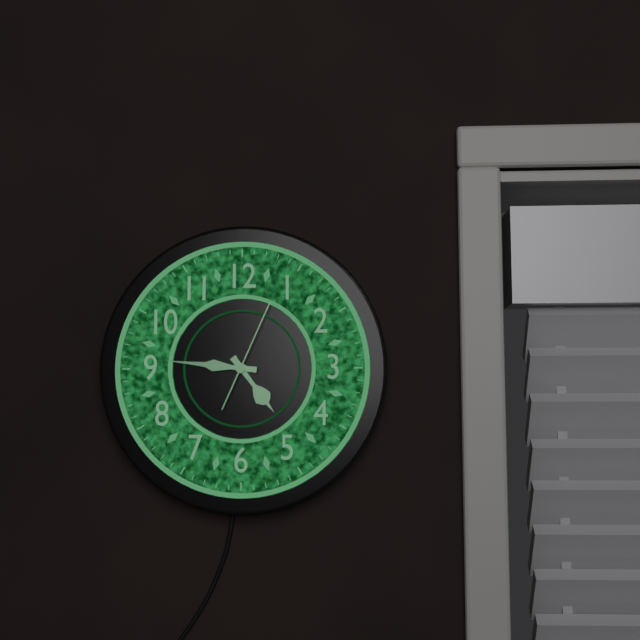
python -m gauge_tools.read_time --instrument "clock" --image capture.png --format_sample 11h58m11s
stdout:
4h46m04s
